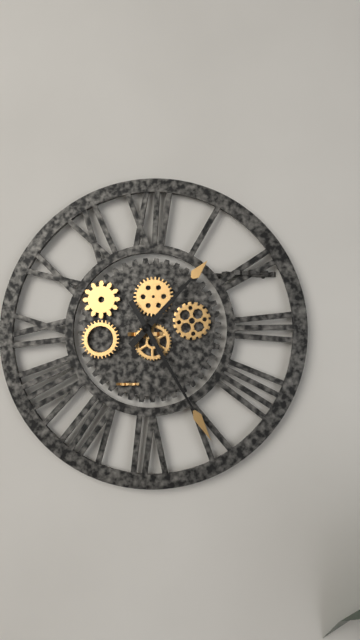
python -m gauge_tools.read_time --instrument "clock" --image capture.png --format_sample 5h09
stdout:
1h25
